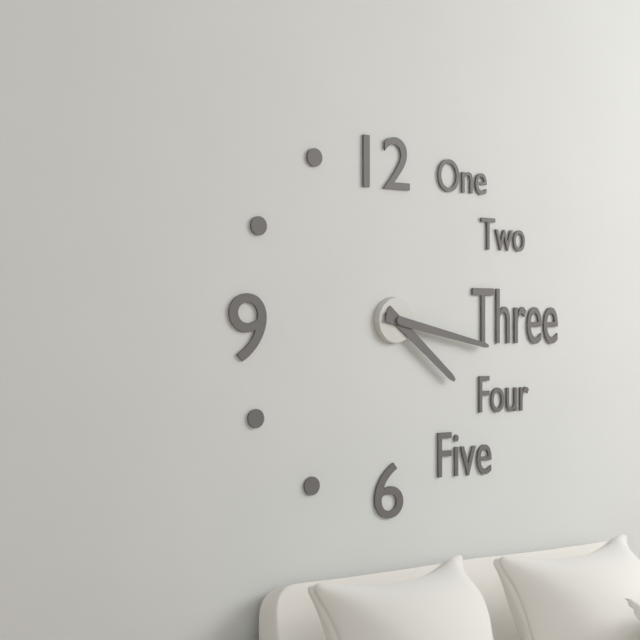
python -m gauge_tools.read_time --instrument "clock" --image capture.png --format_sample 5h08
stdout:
4h17
